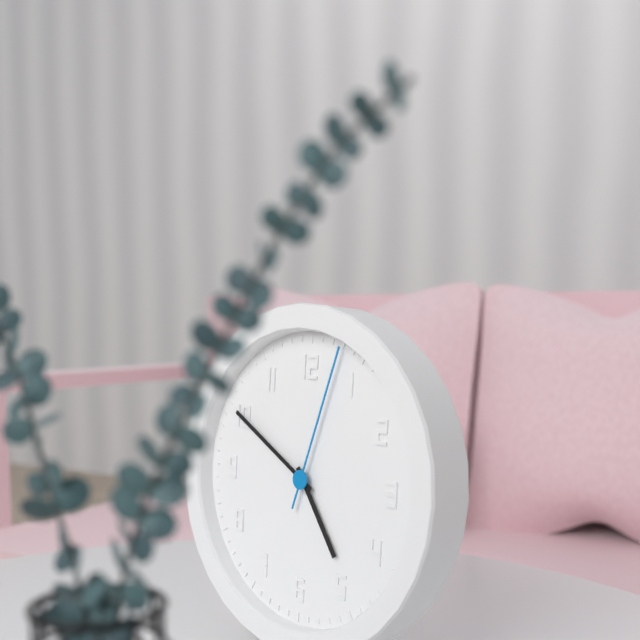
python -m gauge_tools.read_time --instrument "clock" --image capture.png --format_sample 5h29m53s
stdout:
4h50m03s
